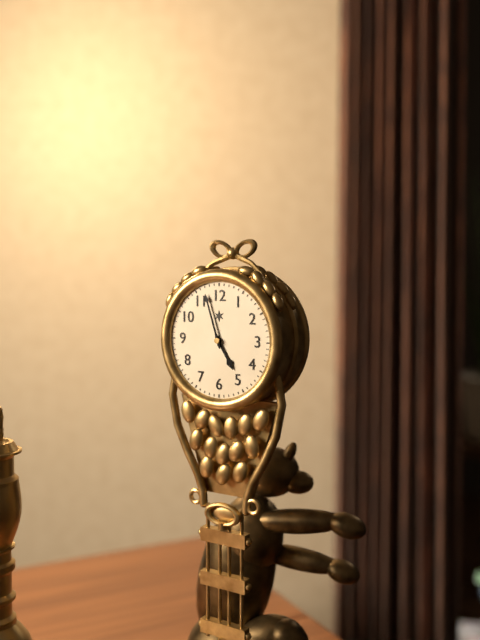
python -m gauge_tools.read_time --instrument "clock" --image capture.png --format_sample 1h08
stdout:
4h57
